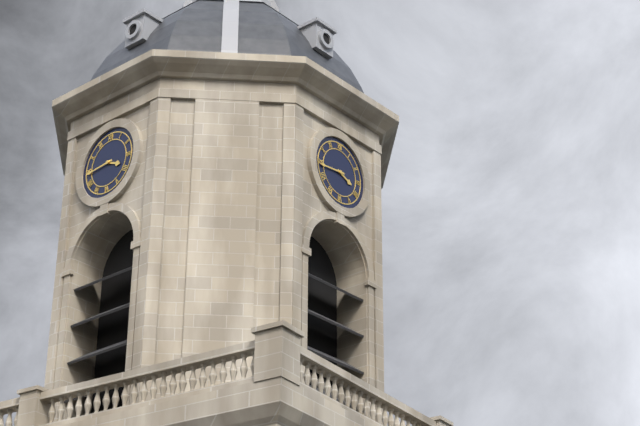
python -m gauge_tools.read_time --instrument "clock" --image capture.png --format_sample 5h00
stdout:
3h44
